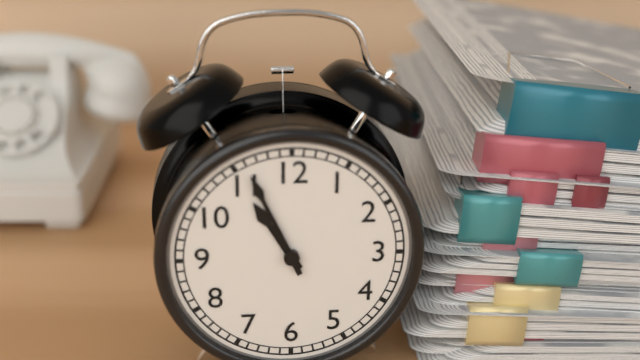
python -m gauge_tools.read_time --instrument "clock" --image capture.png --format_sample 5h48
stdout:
10h56
